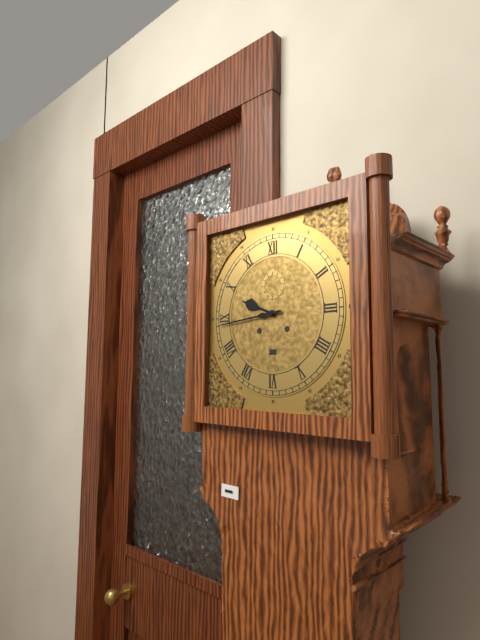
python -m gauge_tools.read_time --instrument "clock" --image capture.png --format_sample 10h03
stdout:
9h44
